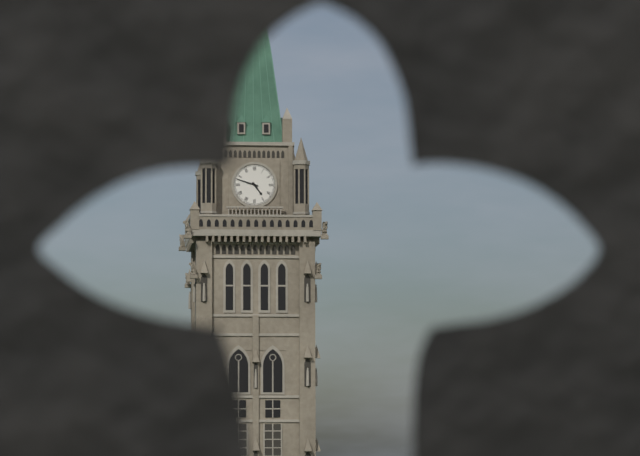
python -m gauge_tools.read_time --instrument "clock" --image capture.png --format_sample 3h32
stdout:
4h48
